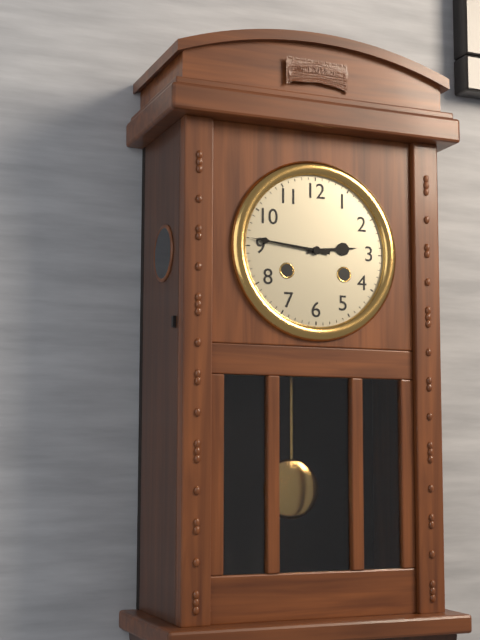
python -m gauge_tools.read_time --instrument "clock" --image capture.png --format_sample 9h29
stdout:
2h46
